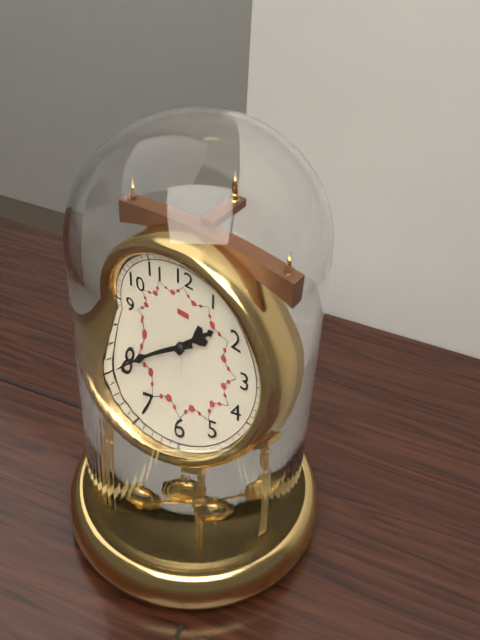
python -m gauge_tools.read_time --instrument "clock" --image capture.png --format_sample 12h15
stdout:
1h40
